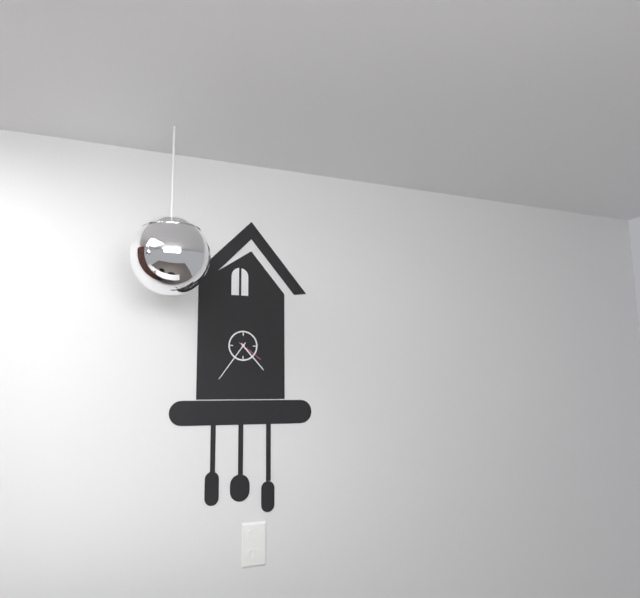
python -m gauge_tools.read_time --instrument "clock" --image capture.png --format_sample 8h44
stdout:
4h36
